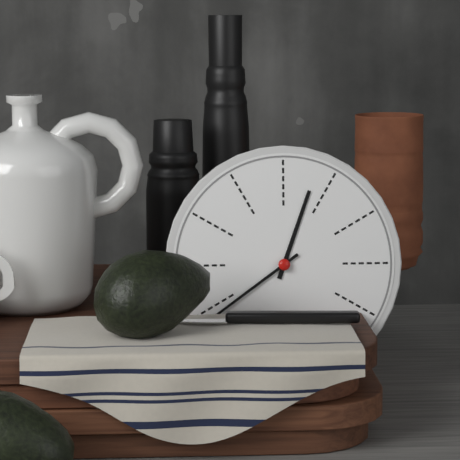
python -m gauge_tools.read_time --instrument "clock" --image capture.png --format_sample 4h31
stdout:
12h39
